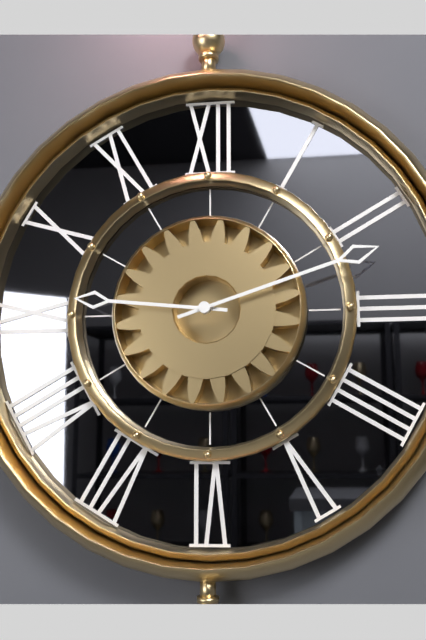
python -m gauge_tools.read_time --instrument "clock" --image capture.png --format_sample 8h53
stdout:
9h12
